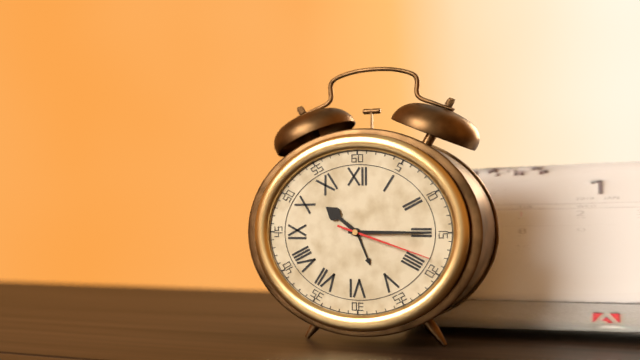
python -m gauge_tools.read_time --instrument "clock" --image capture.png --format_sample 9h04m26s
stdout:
10h15m18s
